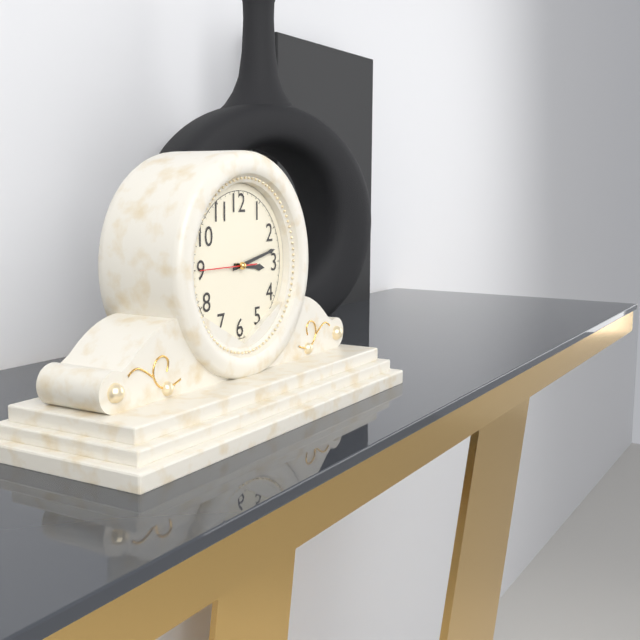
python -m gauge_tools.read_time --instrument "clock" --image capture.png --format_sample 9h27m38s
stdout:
3h13m45s
